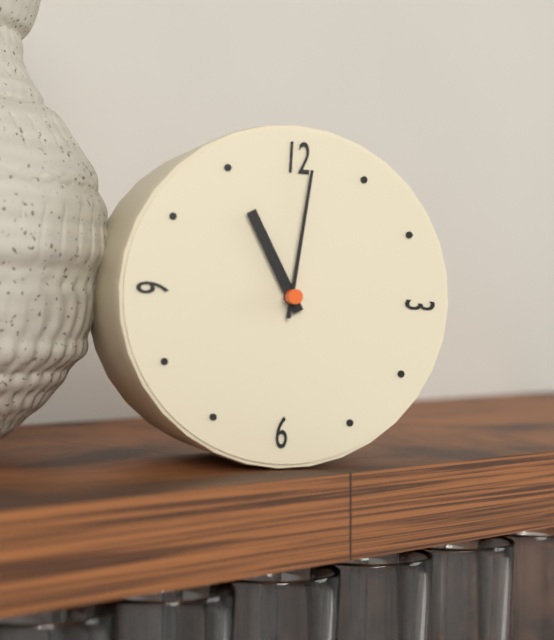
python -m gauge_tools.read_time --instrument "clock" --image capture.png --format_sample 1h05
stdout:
11h01
